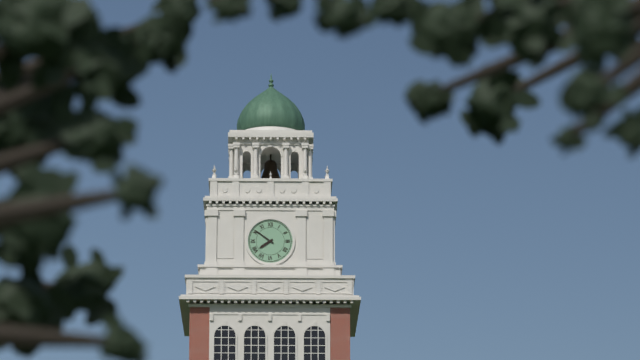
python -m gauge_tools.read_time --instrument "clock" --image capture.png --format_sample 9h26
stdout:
7h51
